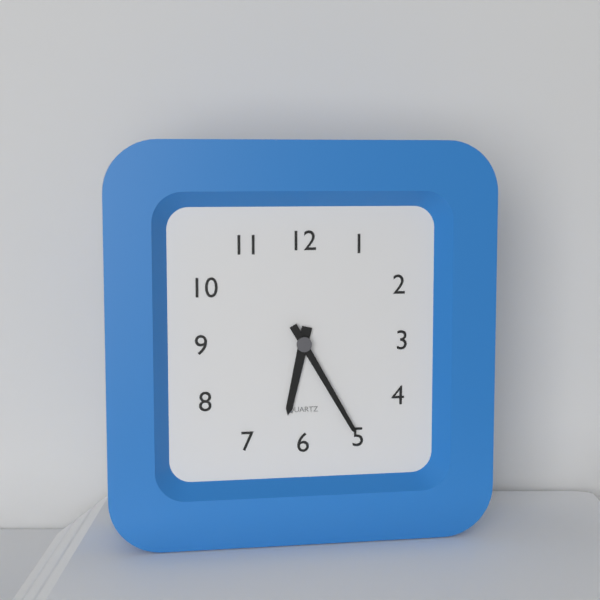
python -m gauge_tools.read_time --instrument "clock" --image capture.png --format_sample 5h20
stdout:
6h25
